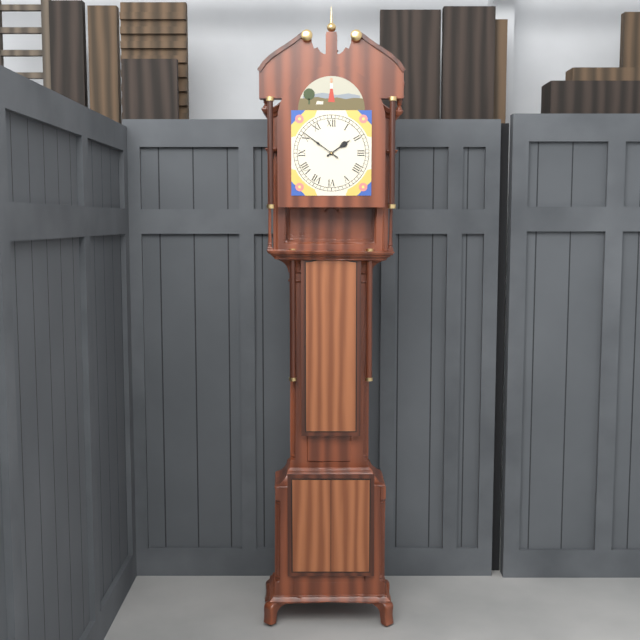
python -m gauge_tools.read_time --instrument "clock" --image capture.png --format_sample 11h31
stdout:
1h51
